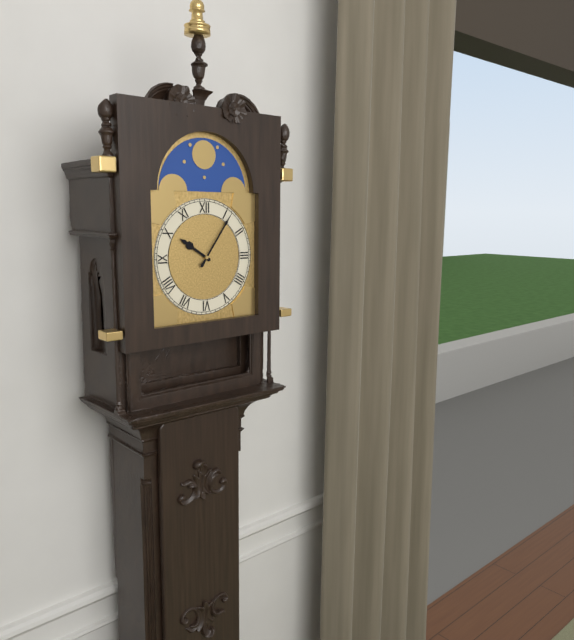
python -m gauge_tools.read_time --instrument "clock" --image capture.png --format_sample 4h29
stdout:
10h06
